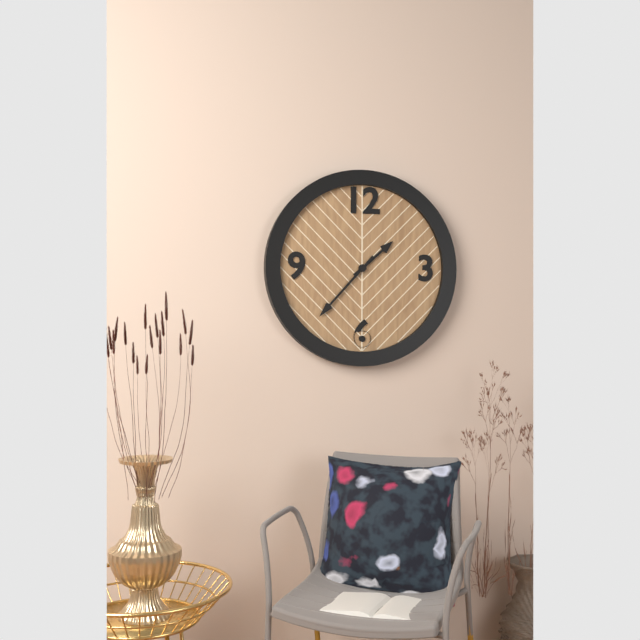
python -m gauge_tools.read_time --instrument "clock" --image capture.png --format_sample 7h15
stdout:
1h37
